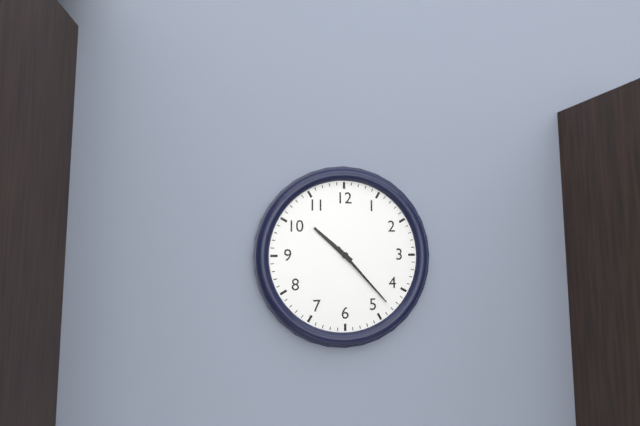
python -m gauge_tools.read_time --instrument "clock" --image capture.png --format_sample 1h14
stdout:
10h23
